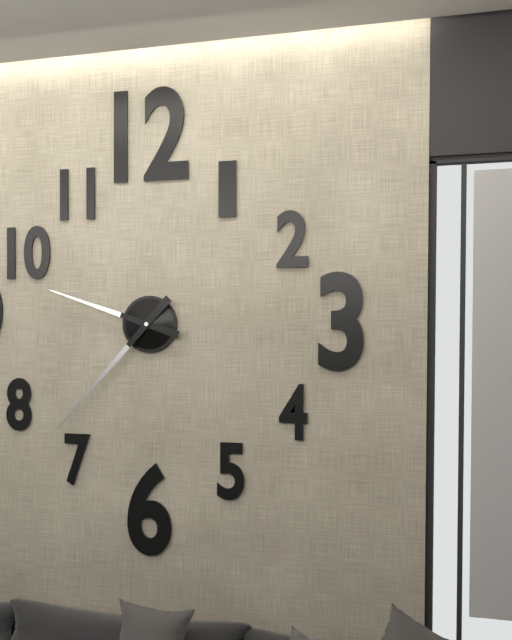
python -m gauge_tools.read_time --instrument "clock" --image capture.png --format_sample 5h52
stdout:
9h37
